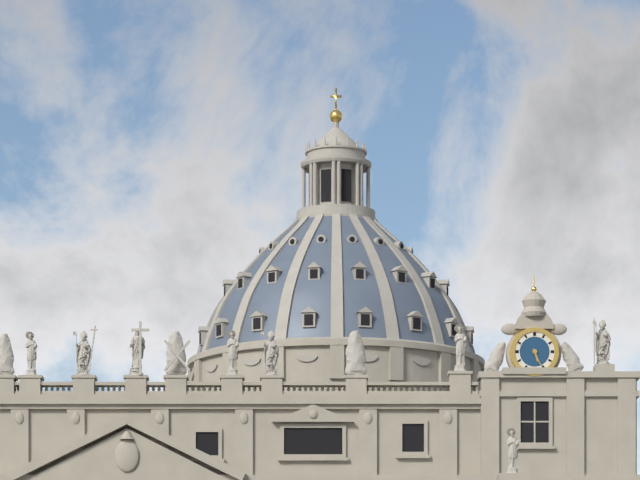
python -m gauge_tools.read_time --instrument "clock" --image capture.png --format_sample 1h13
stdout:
5h26
